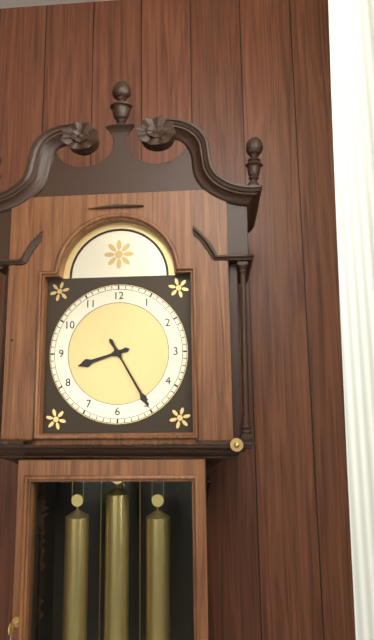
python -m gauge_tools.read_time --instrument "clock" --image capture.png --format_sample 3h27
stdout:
8h25
